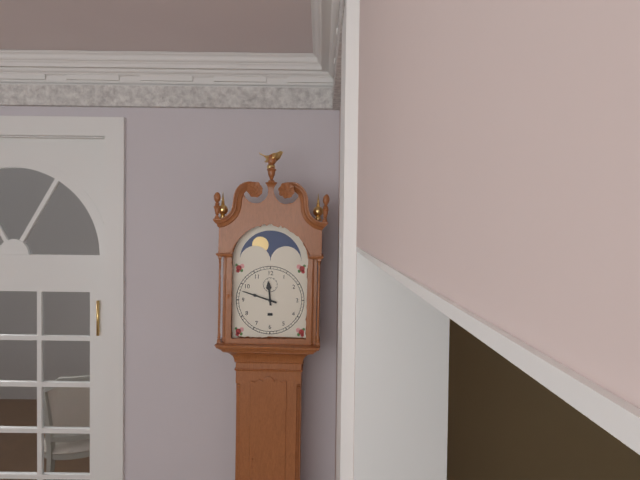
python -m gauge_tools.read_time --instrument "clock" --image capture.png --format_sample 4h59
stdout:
11h48
